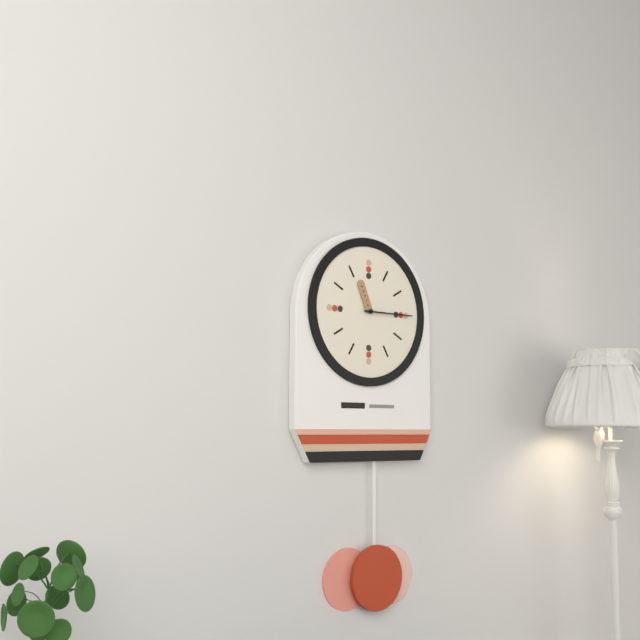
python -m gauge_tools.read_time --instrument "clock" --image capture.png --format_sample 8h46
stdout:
11h15
